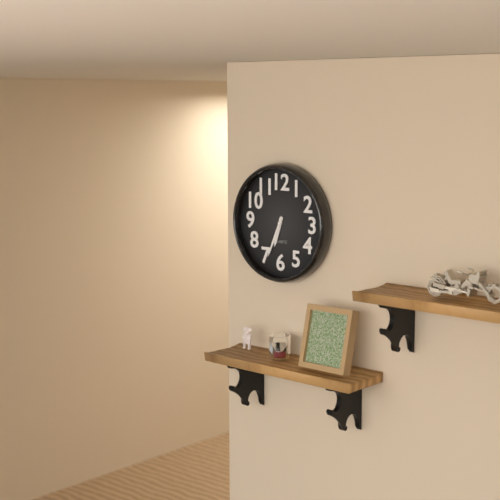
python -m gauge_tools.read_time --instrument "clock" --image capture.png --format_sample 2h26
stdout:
6h34
